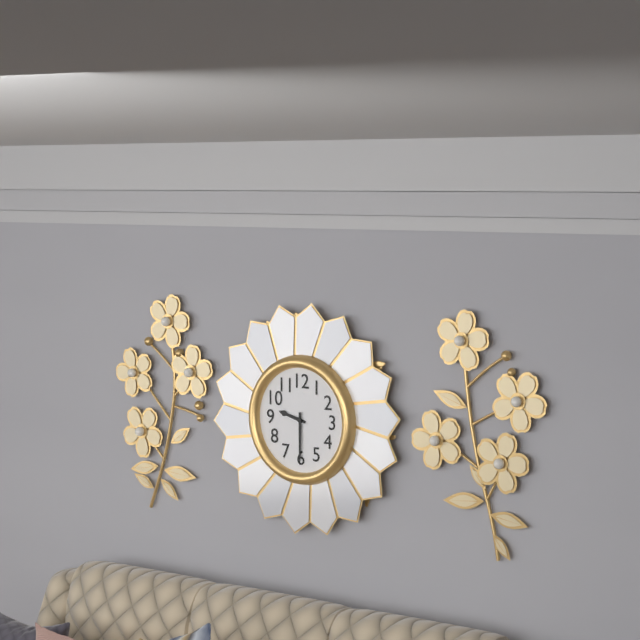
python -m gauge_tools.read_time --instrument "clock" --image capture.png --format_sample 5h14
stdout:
9h30
